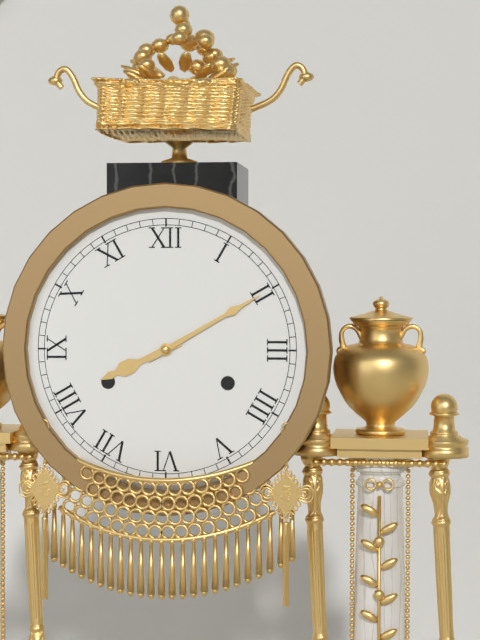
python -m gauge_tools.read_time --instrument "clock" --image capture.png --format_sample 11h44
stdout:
8h10
